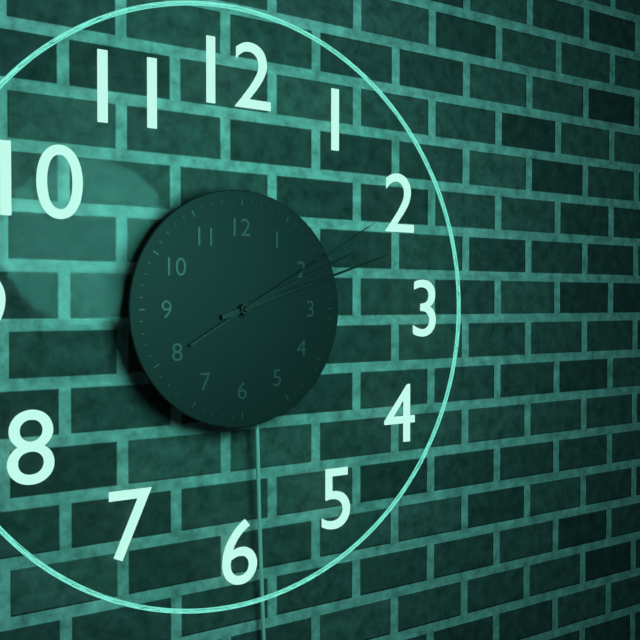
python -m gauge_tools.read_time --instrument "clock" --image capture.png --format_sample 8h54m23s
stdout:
2h12m10s
